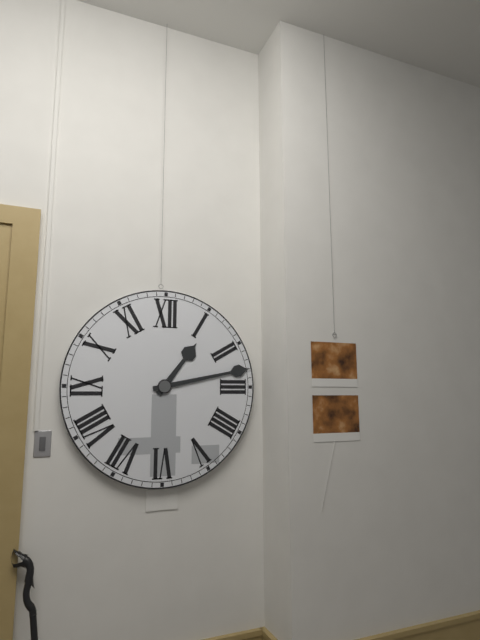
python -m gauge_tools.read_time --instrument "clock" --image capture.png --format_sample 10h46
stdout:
1h13
